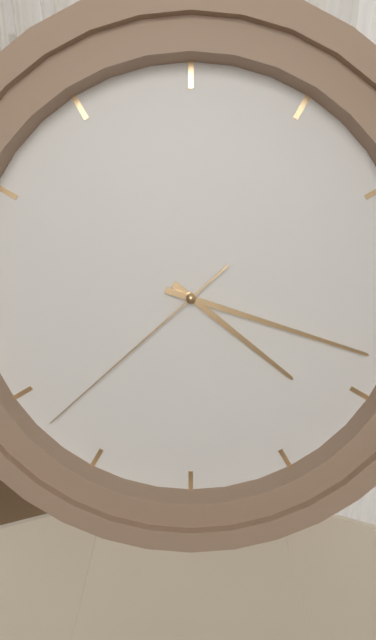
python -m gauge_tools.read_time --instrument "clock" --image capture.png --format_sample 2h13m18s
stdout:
4h18m38s
